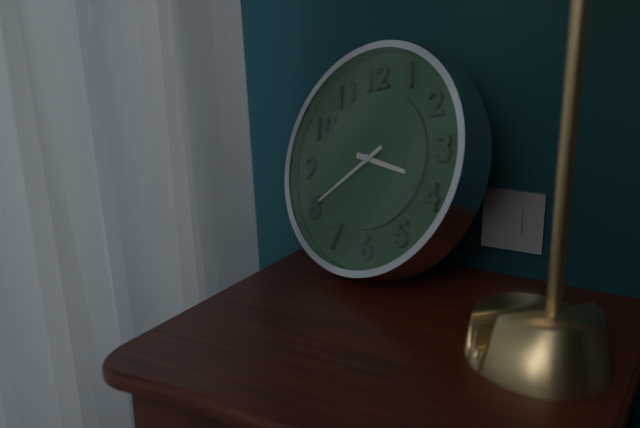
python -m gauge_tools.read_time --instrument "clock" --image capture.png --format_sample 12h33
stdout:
3h40
